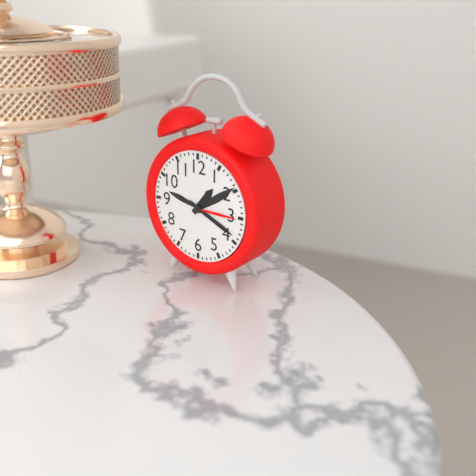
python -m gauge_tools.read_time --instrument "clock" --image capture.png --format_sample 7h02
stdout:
1h19
